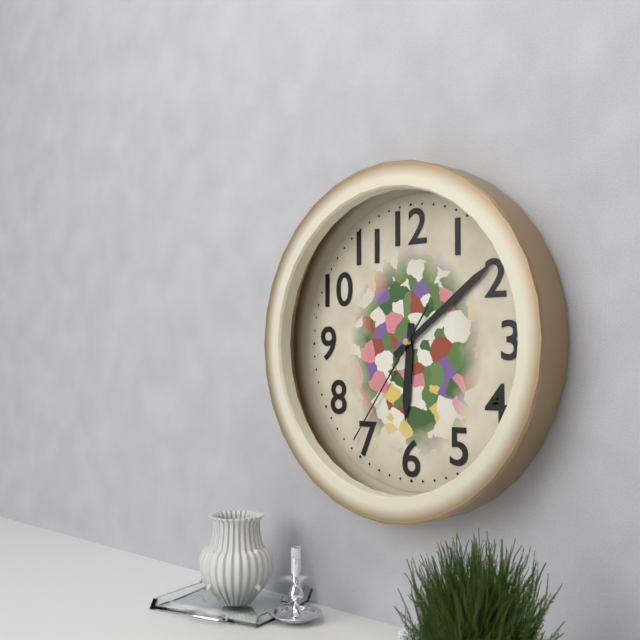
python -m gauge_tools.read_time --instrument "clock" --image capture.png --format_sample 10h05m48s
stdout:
6h09m36s
